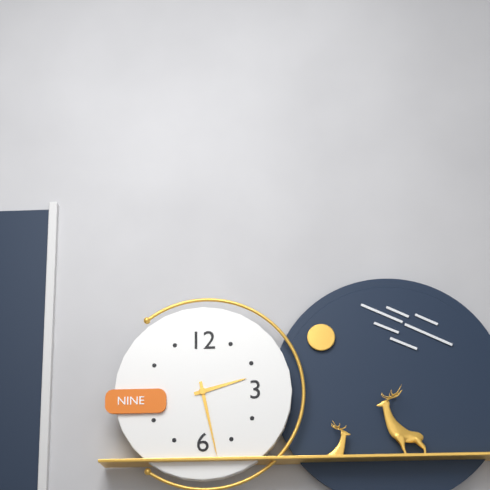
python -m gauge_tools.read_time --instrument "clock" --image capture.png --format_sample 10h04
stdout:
2h28
